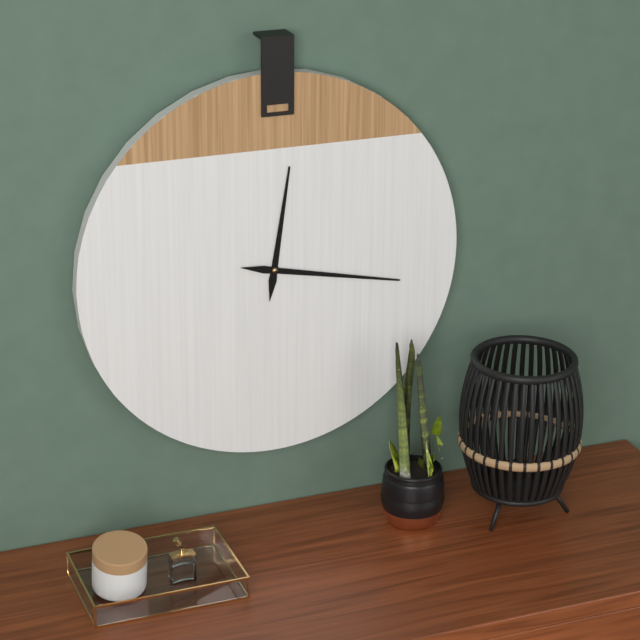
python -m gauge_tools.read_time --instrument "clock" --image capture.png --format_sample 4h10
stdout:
12h17
